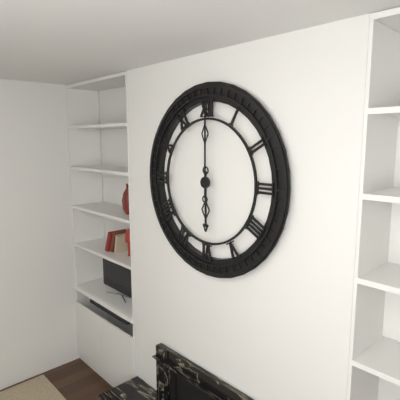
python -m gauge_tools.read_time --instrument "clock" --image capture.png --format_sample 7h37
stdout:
6h00
